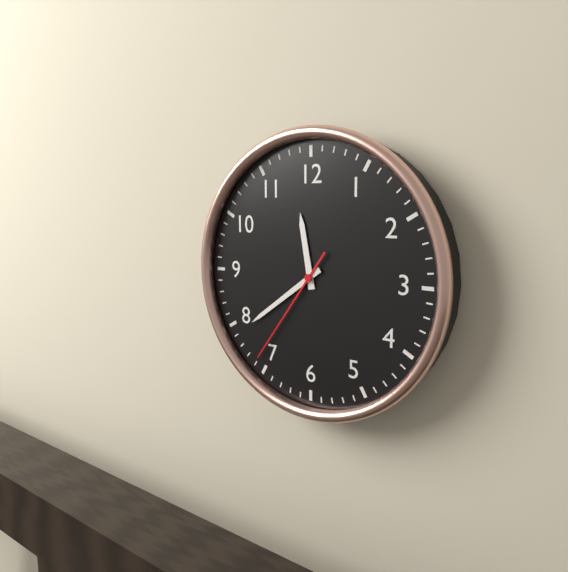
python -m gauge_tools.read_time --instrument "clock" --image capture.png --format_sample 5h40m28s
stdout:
11h39m36s
